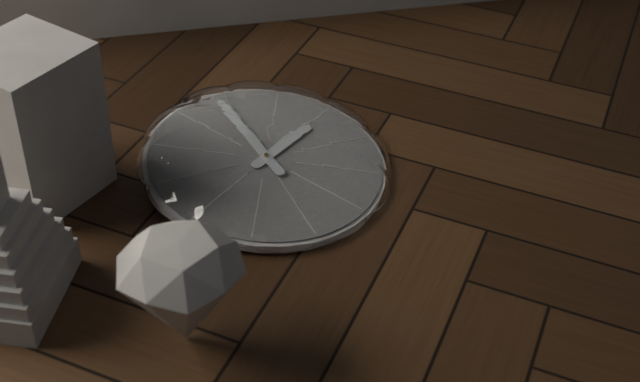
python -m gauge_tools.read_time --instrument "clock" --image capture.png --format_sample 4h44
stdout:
3h04
